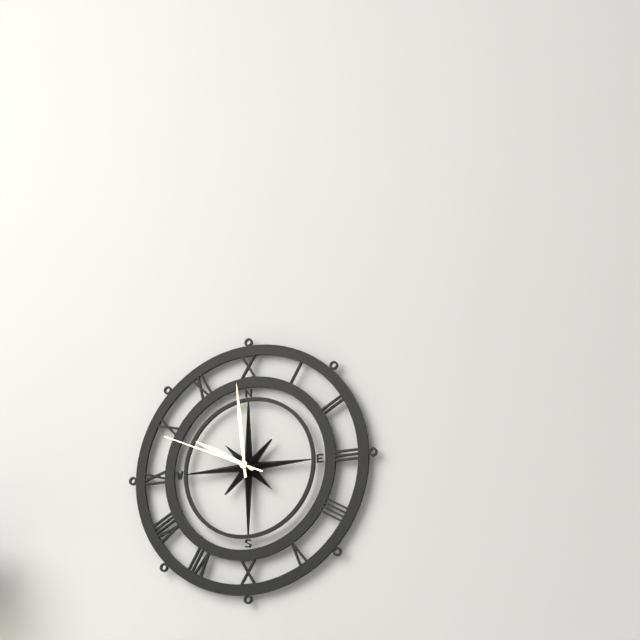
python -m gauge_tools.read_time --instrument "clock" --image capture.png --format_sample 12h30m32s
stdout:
9h59m49s
